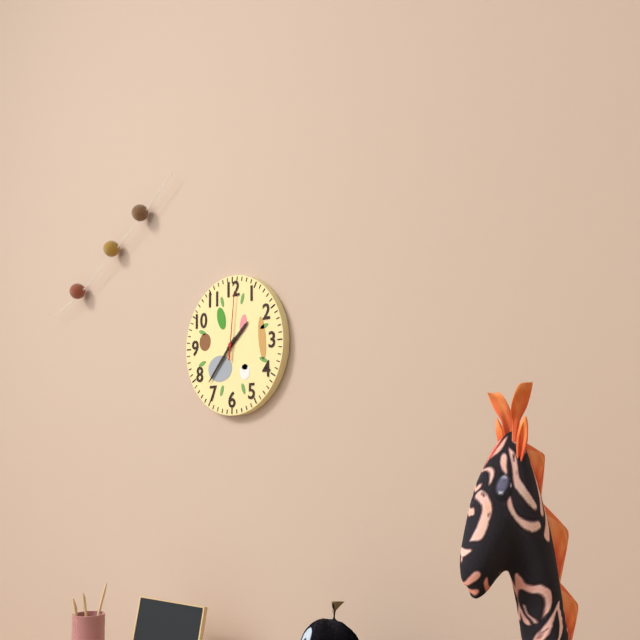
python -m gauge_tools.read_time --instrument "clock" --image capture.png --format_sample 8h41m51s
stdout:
1h37m01s
